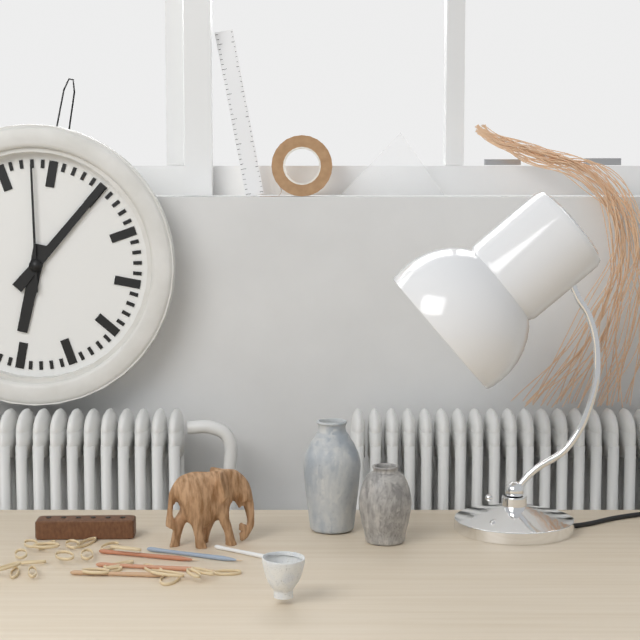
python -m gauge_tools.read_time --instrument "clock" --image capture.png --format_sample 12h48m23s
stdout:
6h05m58s
